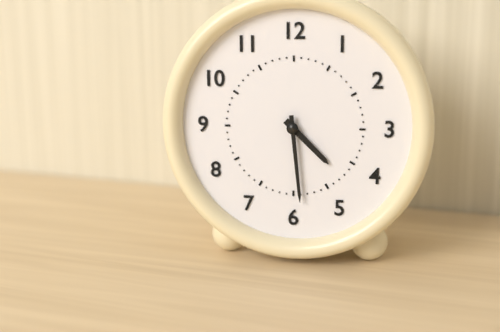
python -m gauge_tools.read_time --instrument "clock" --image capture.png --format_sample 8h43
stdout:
4h29
